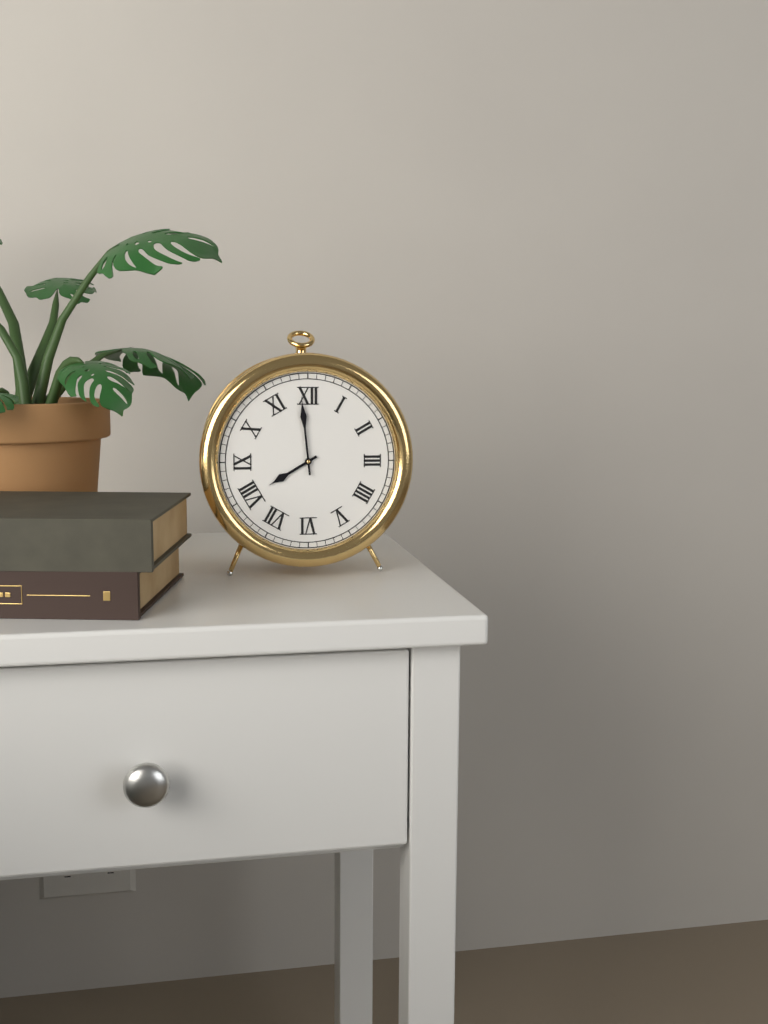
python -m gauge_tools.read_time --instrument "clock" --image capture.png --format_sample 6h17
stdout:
7h59
